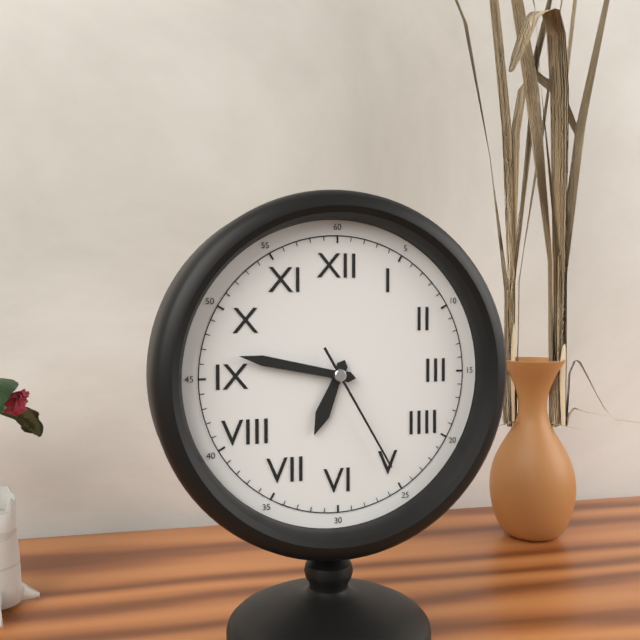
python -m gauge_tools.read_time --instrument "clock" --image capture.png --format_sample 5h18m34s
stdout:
6h47m25s
